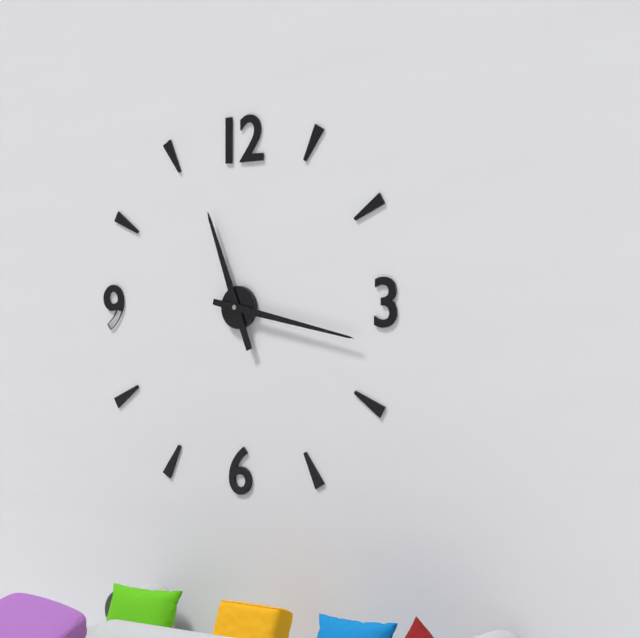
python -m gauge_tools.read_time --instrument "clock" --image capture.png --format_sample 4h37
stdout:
11h17
